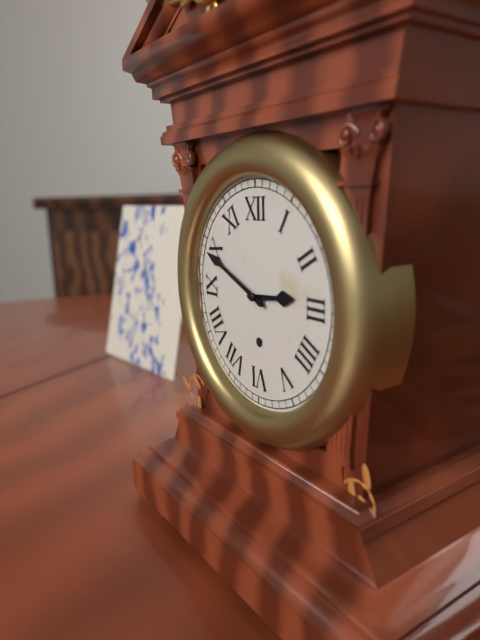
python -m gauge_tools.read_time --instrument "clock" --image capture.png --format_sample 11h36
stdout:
2h49
